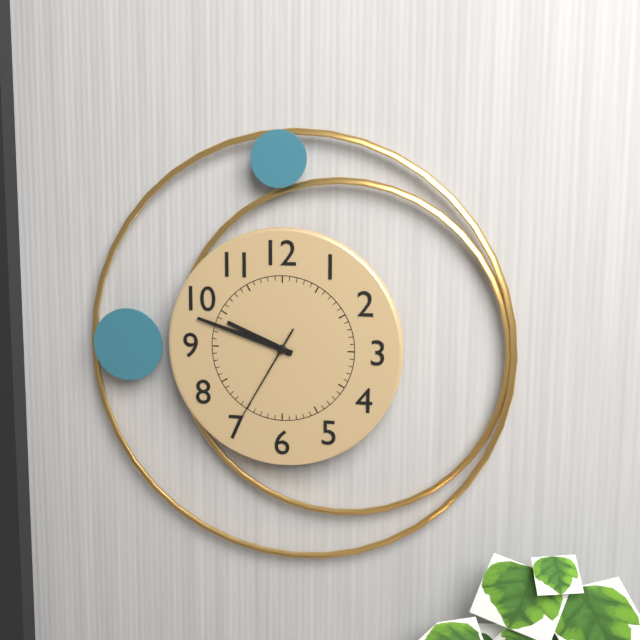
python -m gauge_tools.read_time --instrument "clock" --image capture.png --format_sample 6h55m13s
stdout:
9h48m35s
